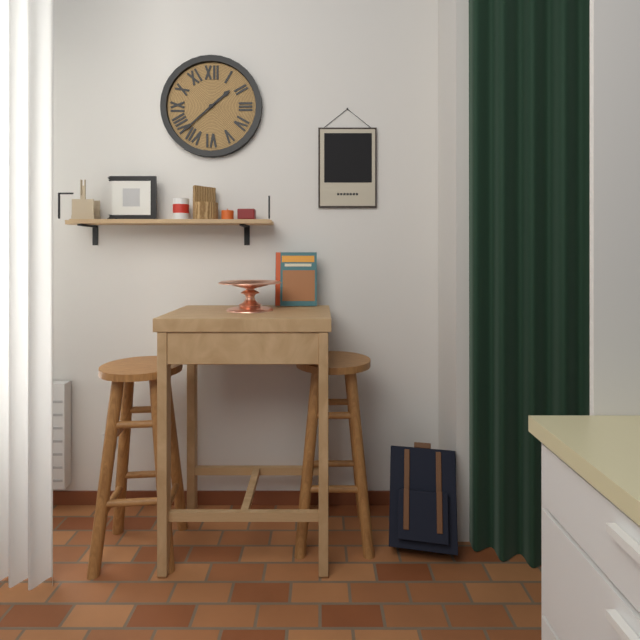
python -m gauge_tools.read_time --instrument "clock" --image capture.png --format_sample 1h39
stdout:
1h38
